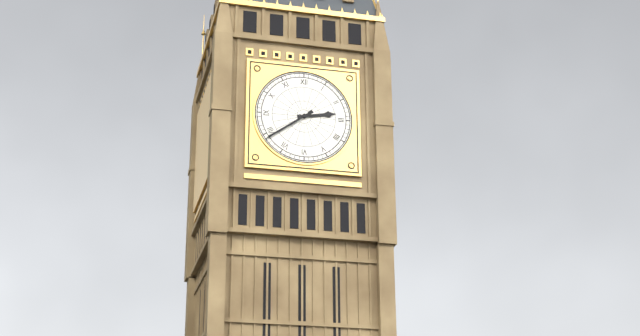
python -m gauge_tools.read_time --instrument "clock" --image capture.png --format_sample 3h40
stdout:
2h39
